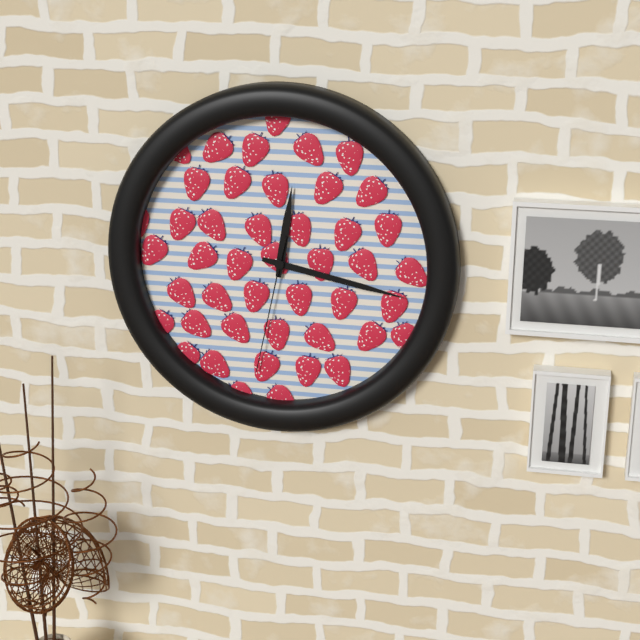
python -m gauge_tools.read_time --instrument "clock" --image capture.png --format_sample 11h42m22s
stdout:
12h17m32s
